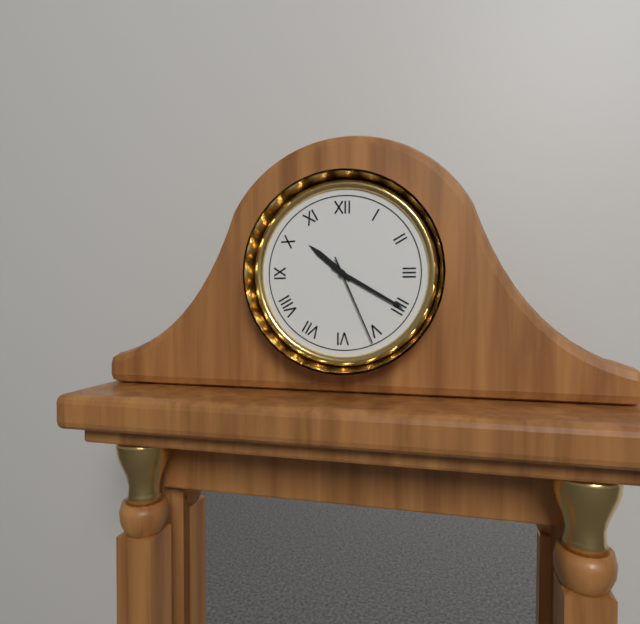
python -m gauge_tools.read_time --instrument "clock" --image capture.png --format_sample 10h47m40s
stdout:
10h20m26s
